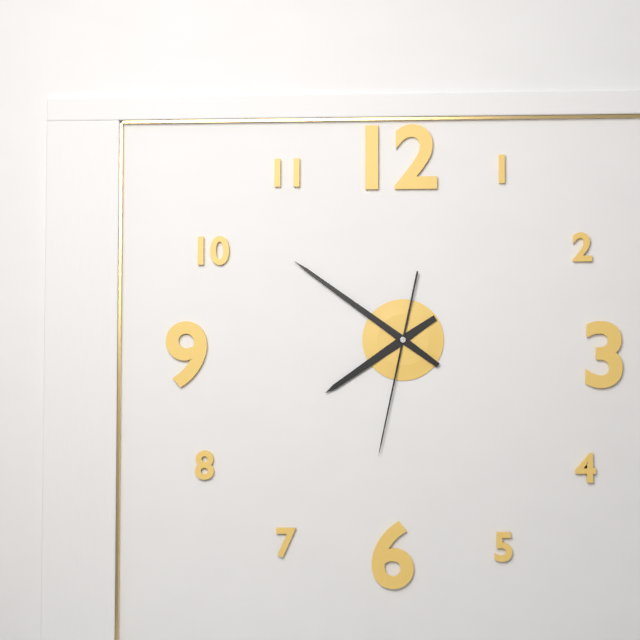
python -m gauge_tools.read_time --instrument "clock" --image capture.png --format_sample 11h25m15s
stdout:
7h51m32s
